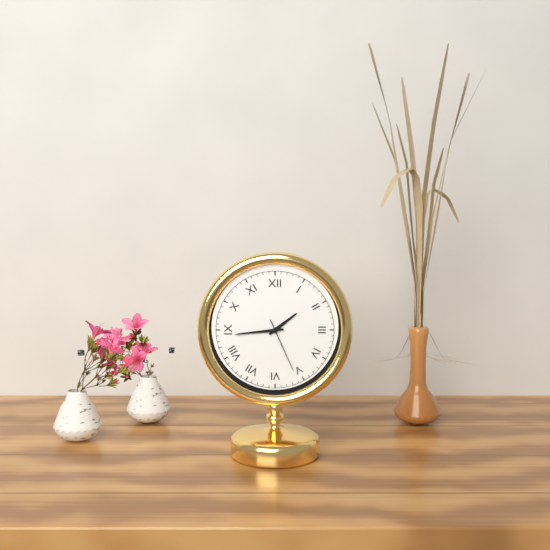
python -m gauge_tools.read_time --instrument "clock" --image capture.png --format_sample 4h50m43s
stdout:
1h44m26s
